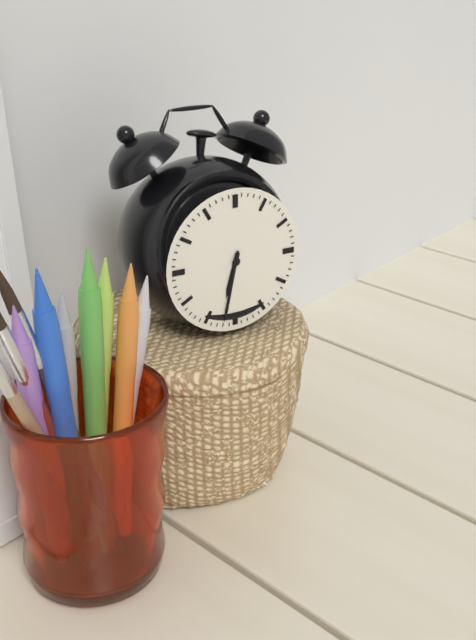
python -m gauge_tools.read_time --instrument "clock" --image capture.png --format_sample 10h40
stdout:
6h32
